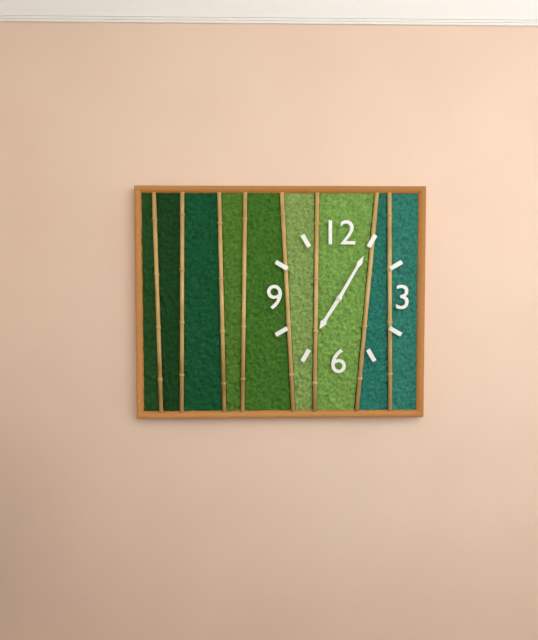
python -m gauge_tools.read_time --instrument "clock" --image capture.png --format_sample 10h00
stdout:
7h05
